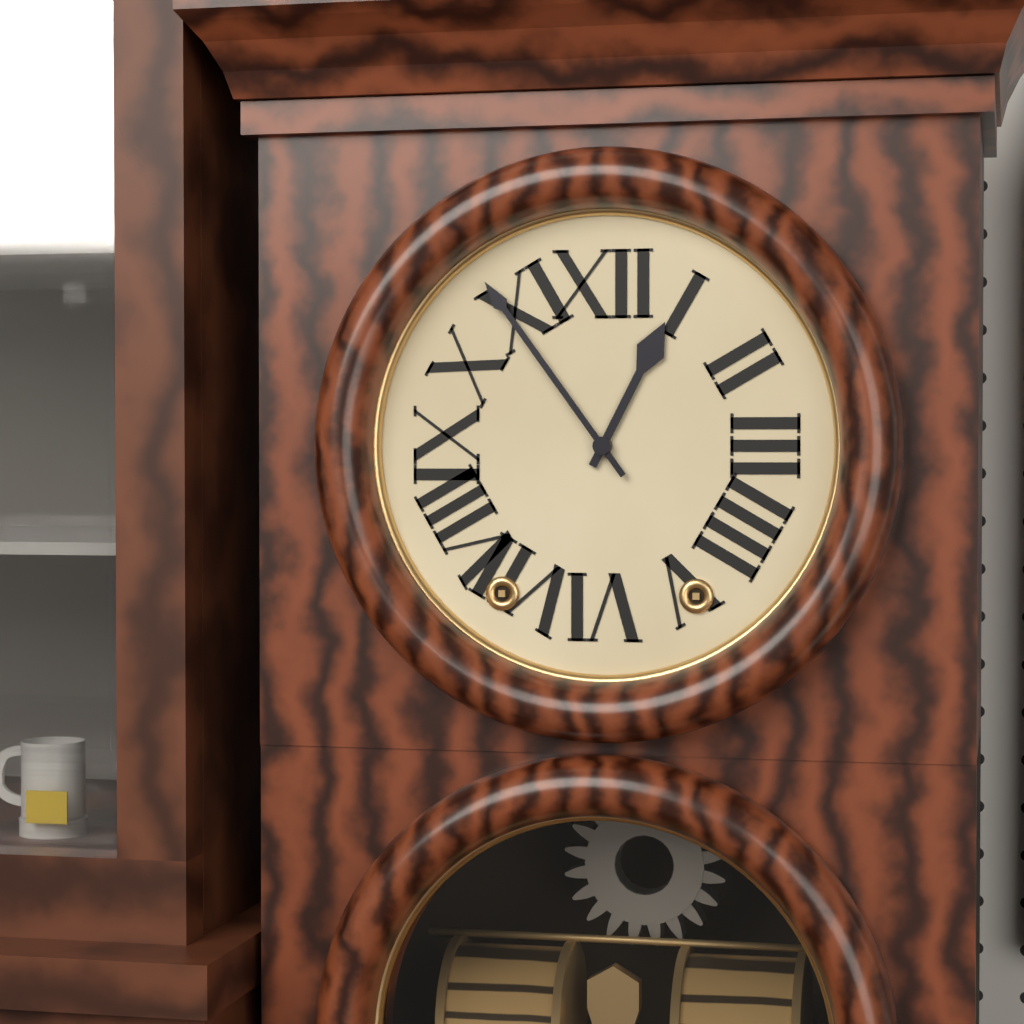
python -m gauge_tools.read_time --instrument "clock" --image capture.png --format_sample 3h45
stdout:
12h54
